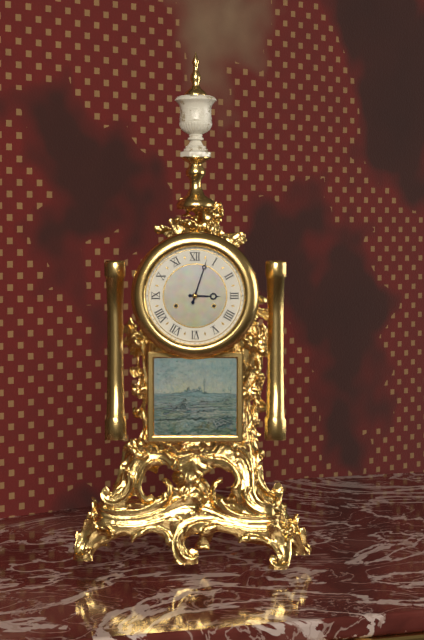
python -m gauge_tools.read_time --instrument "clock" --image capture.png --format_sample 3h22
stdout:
3h03
